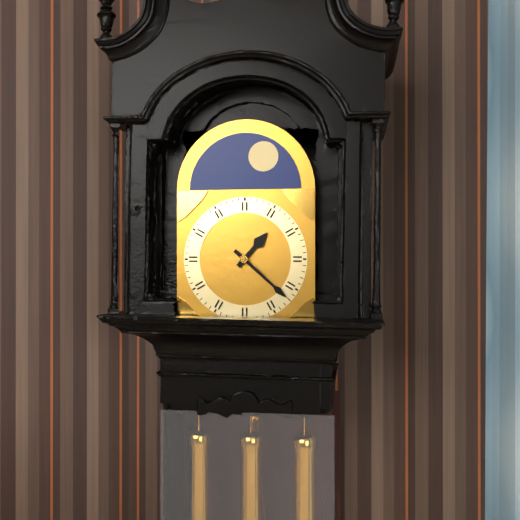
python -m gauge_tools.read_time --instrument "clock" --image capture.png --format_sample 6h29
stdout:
1h22
